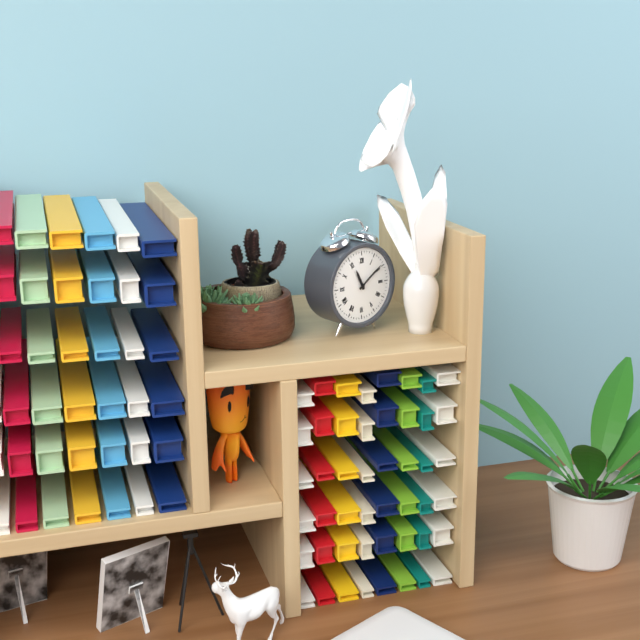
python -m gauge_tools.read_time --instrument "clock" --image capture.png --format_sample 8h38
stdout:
11h09
